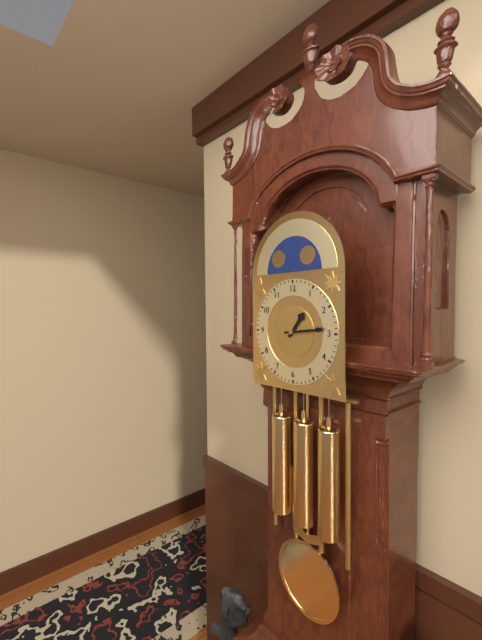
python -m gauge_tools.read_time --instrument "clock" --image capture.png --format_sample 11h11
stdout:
1h14
